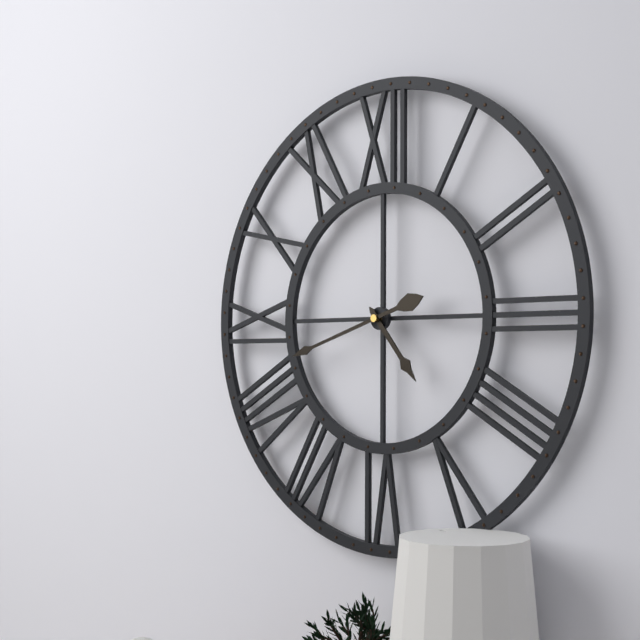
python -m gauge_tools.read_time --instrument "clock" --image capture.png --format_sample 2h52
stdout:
4h42
